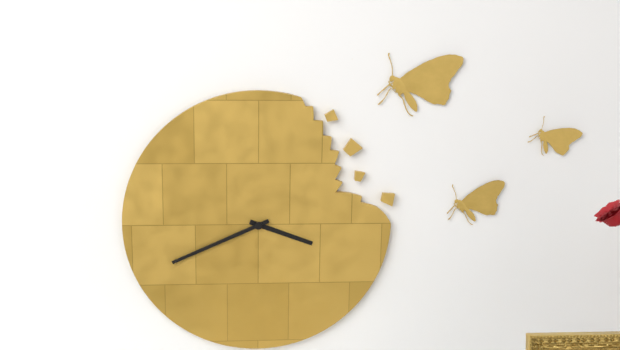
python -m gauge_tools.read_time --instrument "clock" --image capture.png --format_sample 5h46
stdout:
3h41
